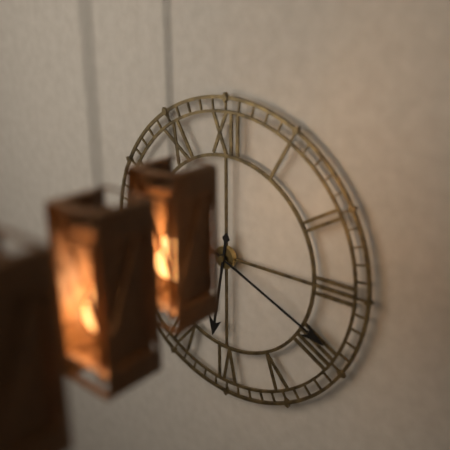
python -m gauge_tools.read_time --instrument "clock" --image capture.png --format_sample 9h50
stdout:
6h19
